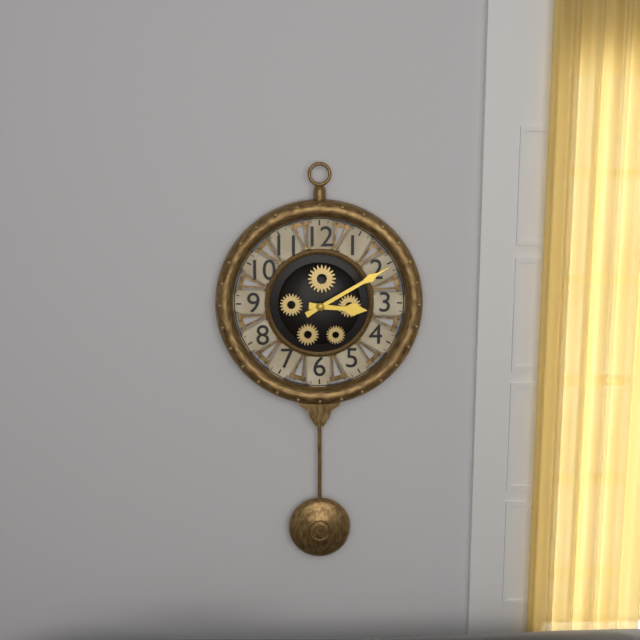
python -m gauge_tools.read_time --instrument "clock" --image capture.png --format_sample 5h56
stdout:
3h10
